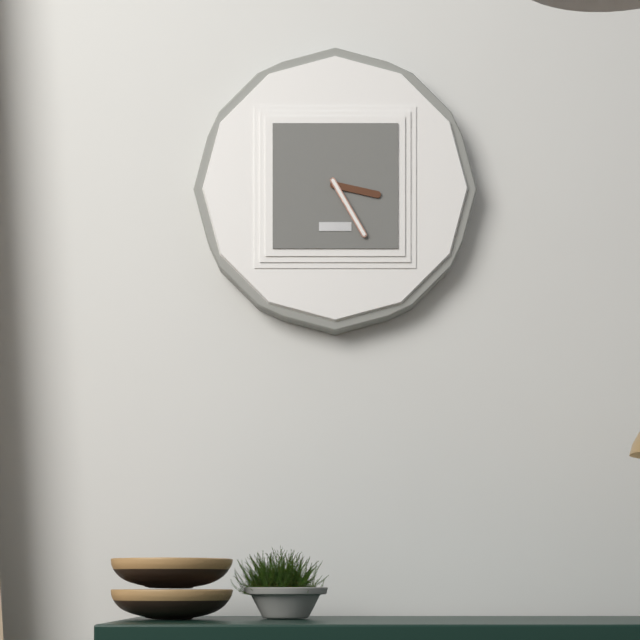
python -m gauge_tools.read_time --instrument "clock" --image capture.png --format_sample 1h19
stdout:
3h25
